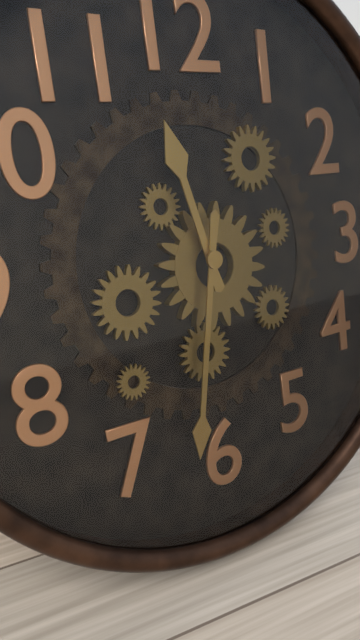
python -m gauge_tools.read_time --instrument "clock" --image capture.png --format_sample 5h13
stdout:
11h32
